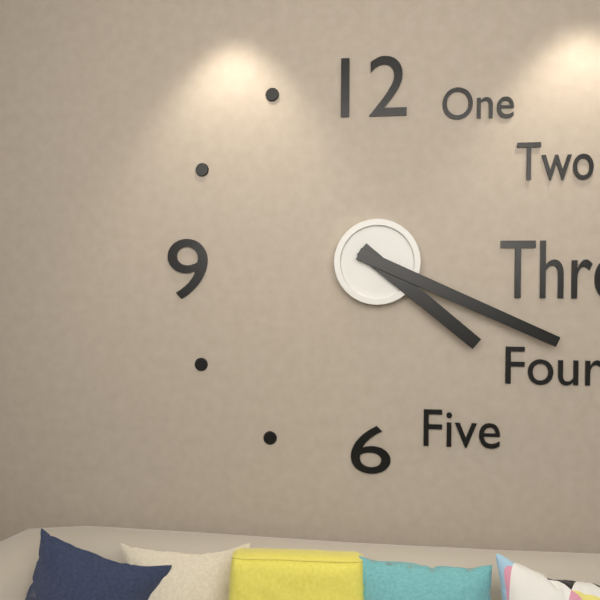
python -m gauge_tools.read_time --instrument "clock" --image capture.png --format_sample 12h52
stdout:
4h19
